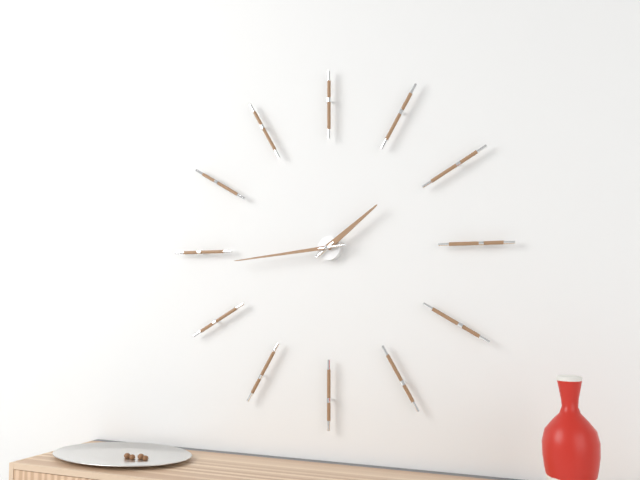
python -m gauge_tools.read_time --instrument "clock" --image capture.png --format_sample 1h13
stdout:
1h44
